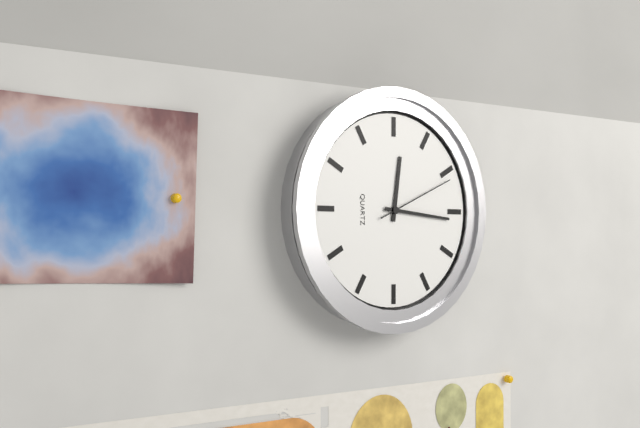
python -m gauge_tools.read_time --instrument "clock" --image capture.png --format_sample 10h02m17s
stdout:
12h16m11s
